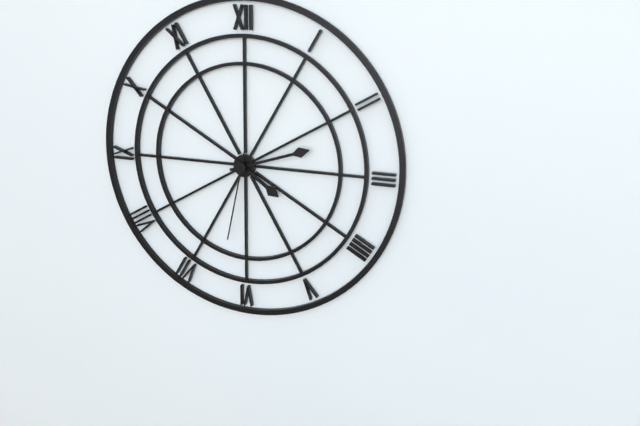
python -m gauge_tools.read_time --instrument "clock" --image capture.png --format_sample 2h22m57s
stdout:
4h12m32s
